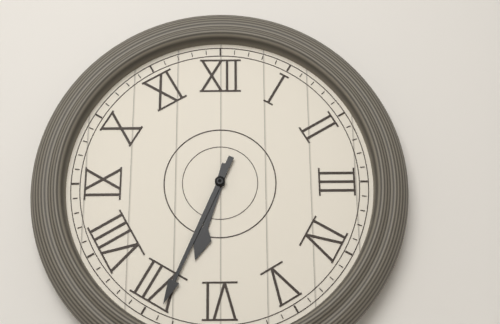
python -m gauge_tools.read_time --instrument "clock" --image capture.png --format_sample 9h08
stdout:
6h34
